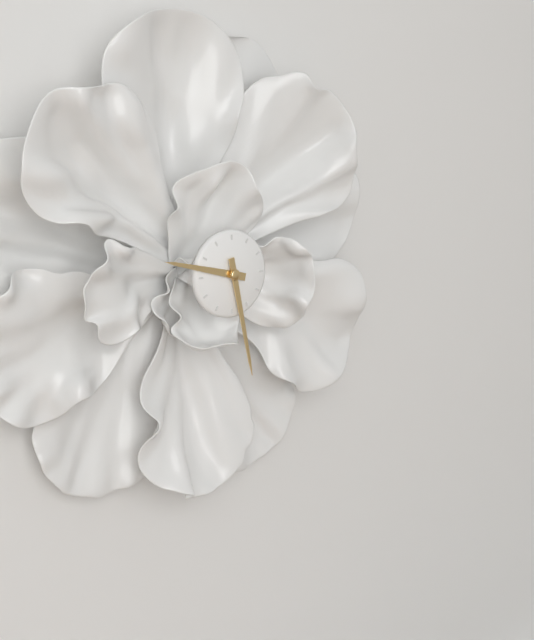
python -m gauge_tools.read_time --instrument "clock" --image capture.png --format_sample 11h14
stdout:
9h28
